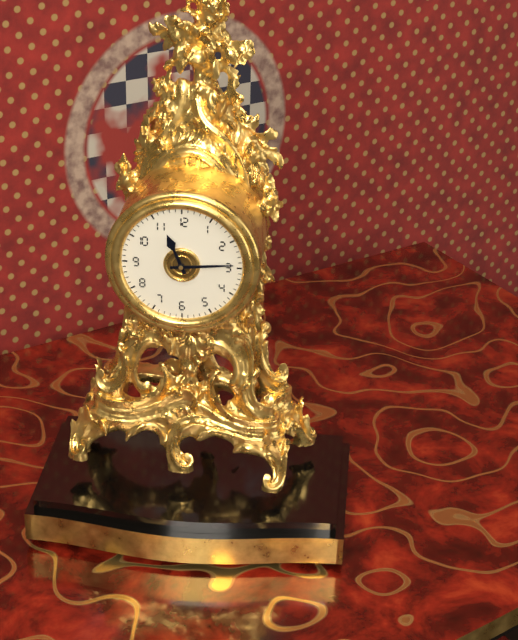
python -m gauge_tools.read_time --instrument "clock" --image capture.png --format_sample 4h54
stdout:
11h14
